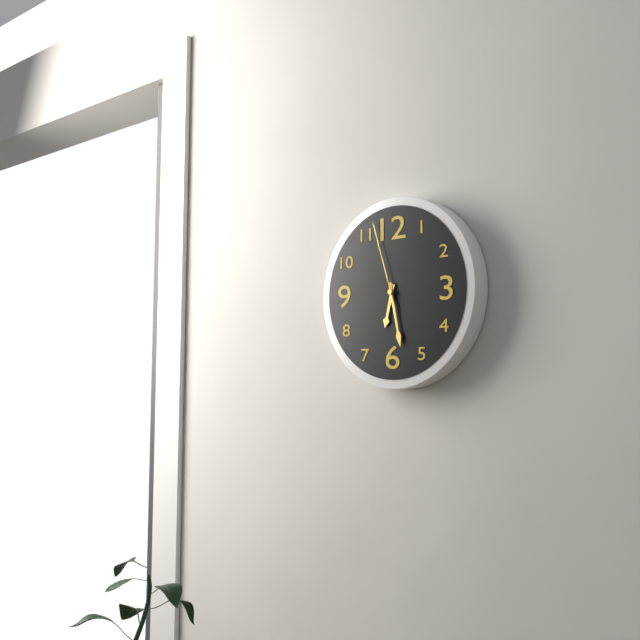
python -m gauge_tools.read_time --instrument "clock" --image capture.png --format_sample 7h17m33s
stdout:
6h28m57s
